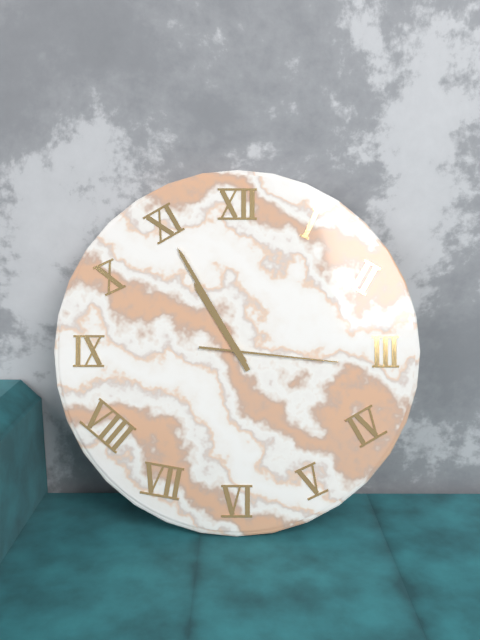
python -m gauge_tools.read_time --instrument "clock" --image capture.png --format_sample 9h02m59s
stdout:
10h55m16s
